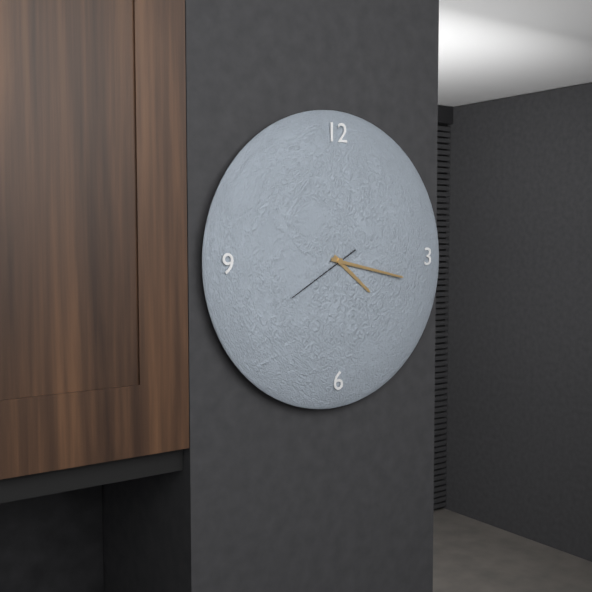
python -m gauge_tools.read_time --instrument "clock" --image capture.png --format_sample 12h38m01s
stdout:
4h17m40s
